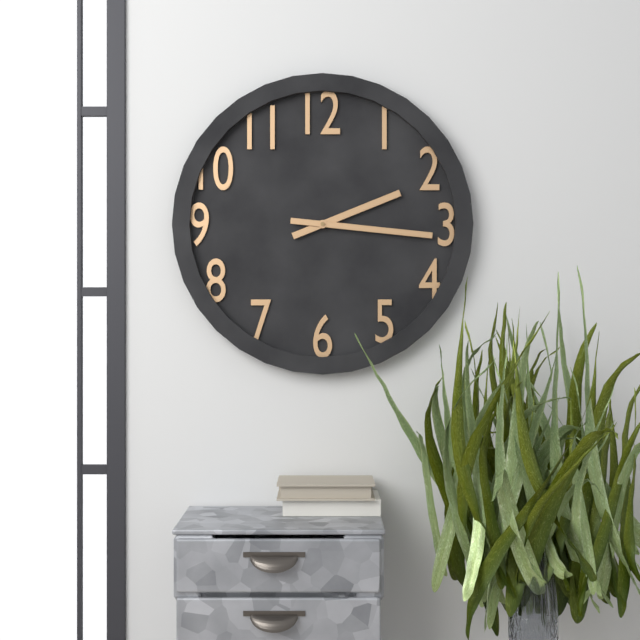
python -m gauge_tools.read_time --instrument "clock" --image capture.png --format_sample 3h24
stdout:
2h16
